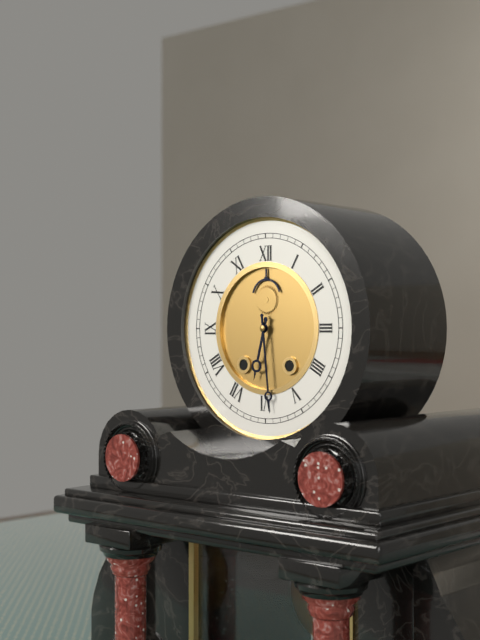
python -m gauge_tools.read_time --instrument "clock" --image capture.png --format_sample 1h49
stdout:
6h29
